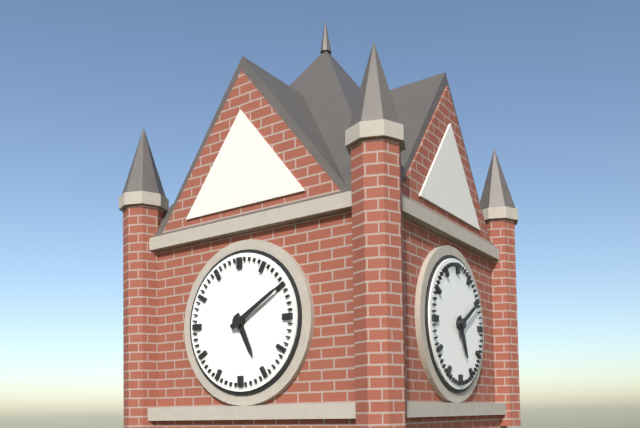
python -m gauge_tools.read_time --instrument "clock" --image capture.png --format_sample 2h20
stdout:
5h10
